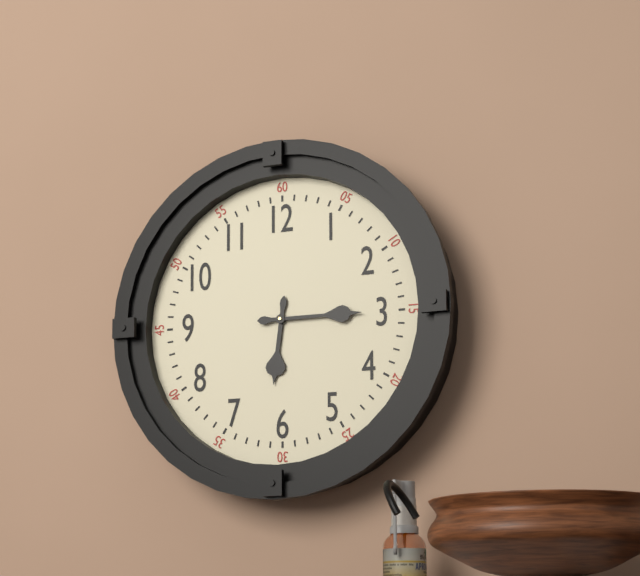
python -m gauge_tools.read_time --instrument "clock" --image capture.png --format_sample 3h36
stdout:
6h15
